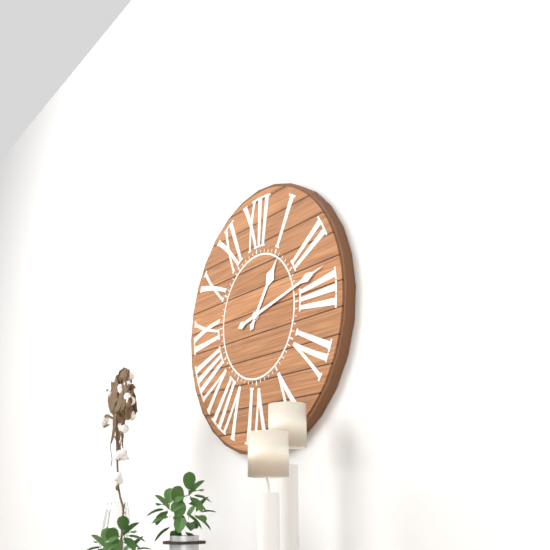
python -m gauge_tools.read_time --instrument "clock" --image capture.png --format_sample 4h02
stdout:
1h13
